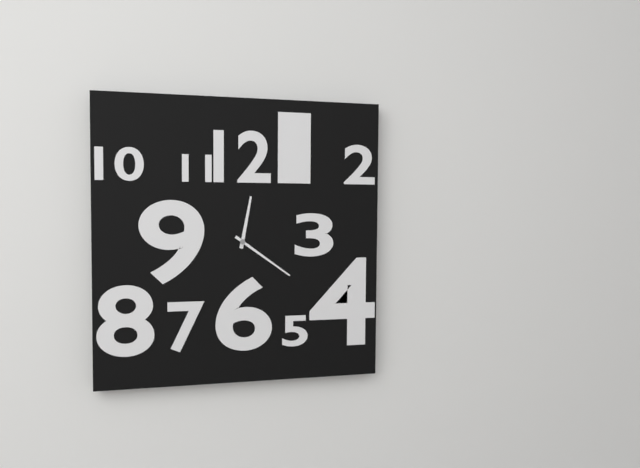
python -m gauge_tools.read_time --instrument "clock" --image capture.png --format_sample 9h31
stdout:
12h21
